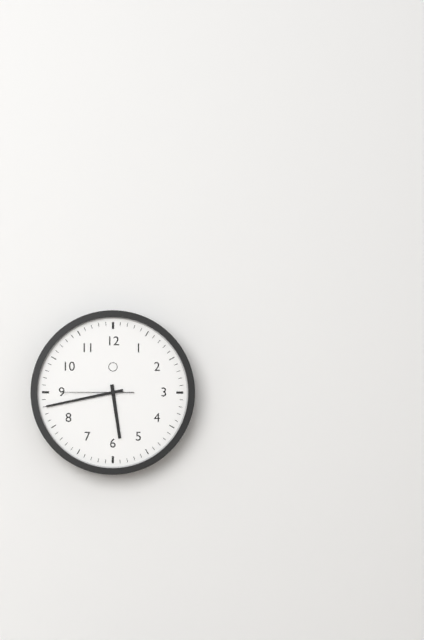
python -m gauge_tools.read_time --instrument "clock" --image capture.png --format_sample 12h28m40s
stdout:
5h43m45s
